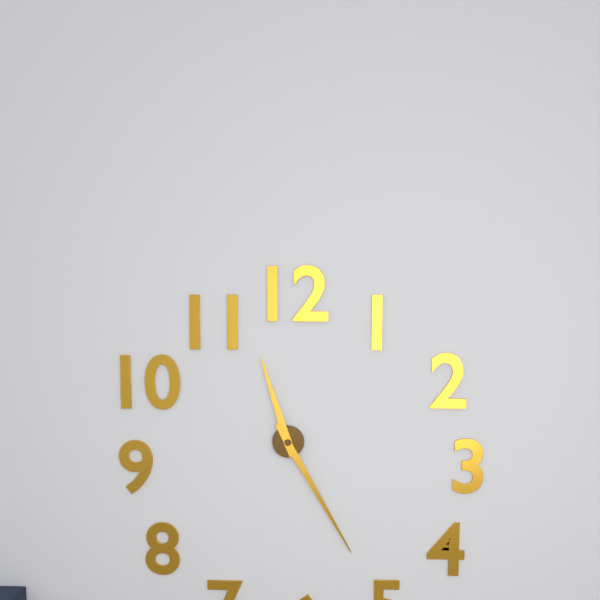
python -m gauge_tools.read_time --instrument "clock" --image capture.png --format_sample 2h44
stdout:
11h25
